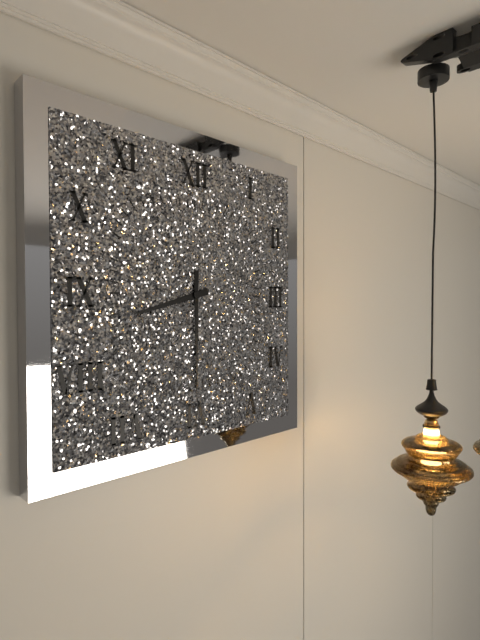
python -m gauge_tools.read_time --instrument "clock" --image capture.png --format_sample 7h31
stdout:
8h30
